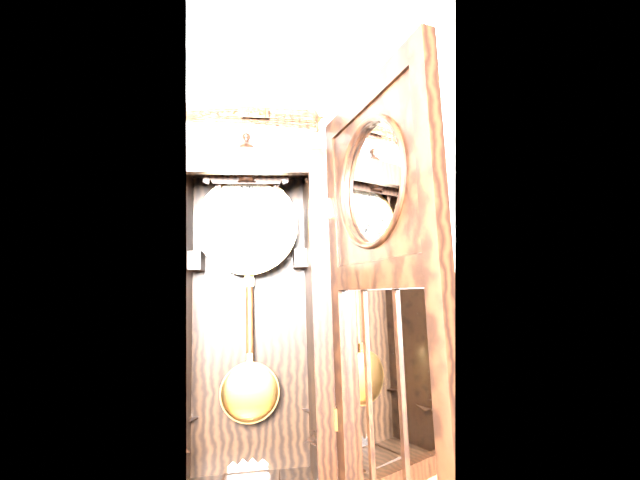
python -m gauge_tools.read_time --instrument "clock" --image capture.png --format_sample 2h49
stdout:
4h49
